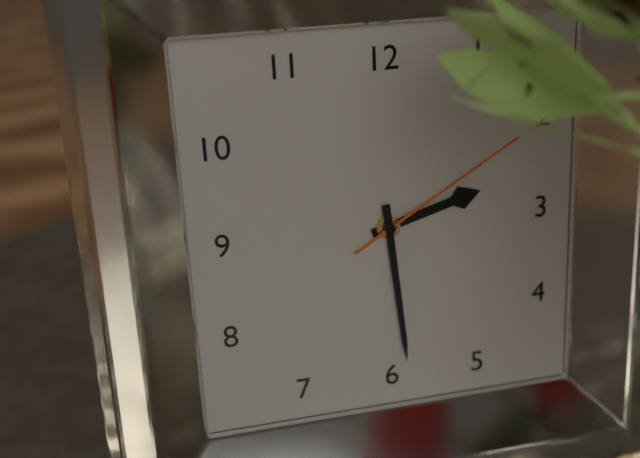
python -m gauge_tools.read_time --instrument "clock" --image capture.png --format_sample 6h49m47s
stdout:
2h29m10s
